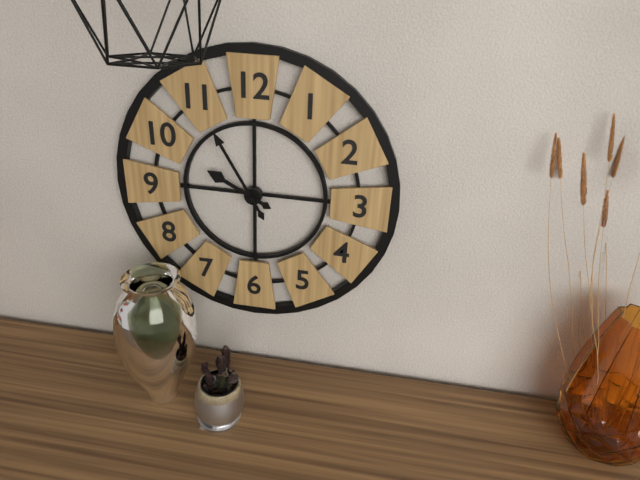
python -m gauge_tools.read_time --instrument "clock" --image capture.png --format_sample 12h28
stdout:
9h55
